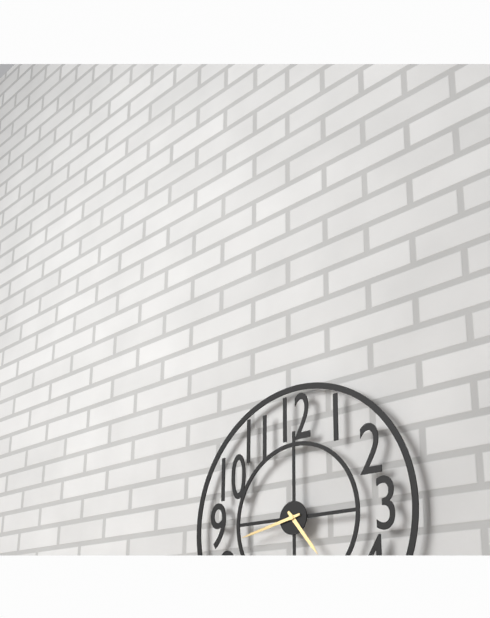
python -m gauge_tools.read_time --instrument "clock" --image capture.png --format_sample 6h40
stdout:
4h43
